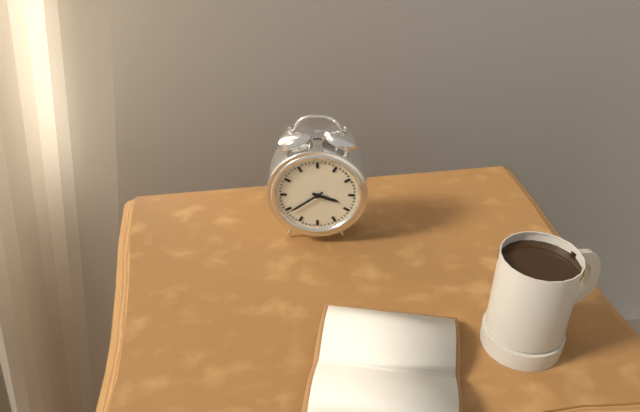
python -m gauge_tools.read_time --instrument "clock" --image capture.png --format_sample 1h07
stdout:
3h39
